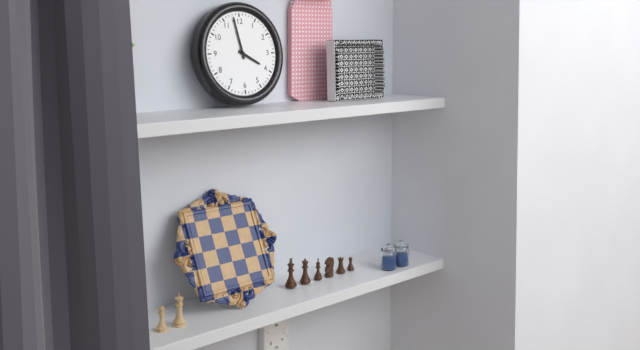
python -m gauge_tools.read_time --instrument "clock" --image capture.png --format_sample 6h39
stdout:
3h58
